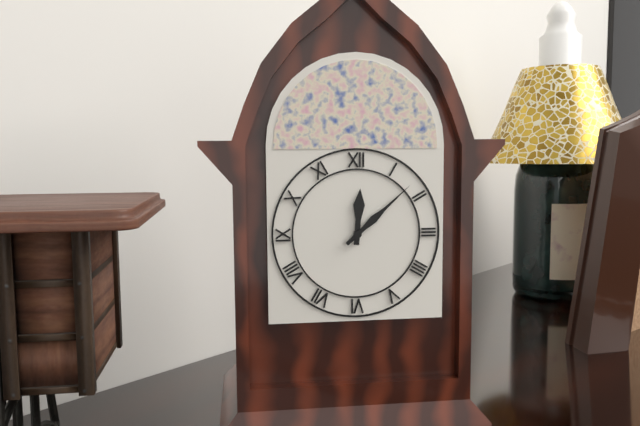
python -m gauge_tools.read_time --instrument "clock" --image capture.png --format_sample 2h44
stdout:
12h08
